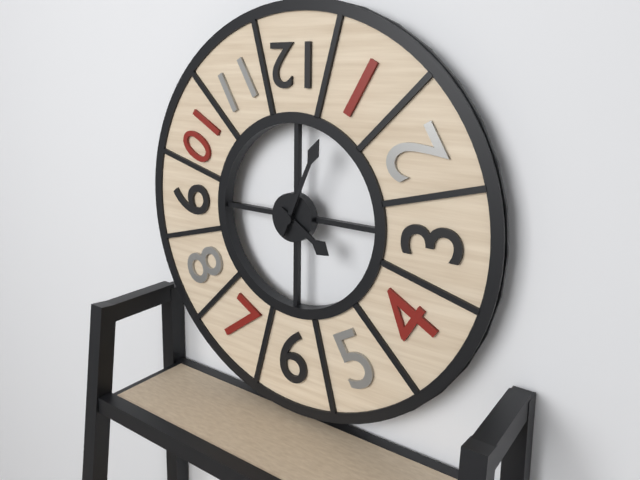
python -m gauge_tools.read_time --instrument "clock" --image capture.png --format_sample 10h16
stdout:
4h04
